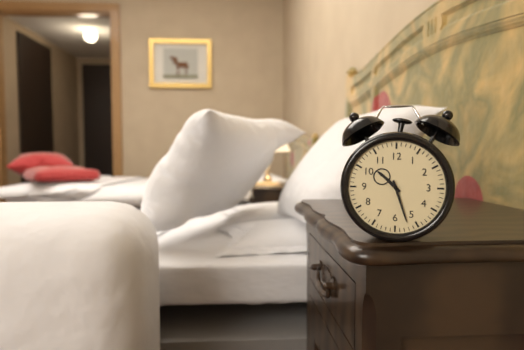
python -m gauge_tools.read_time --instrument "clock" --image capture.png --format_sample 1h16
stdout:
10h27
